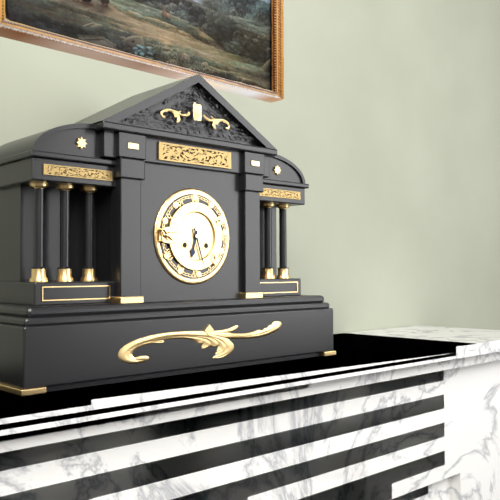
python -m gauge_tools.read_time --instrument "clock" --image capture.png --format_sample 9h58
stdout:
6h27
